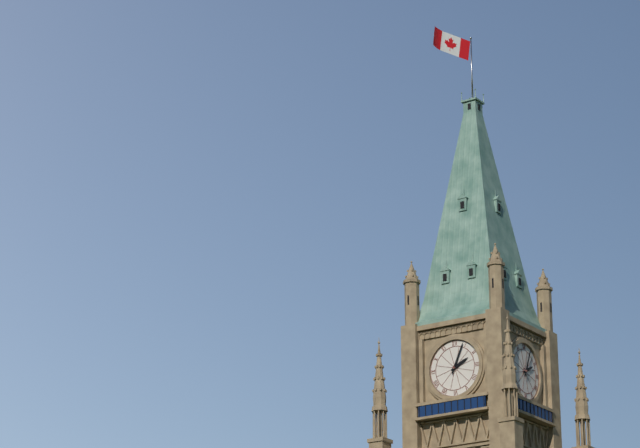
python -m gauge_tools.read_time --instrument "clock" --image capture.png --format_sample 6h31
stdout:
2h04
